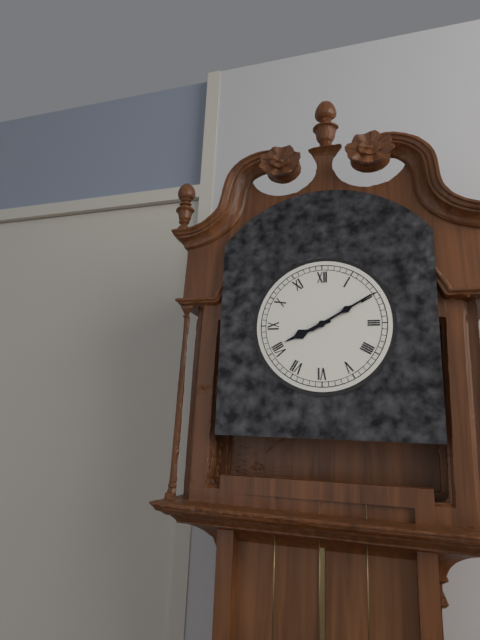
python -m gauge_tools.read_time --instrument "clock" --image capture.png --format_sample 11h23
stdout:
8h10
